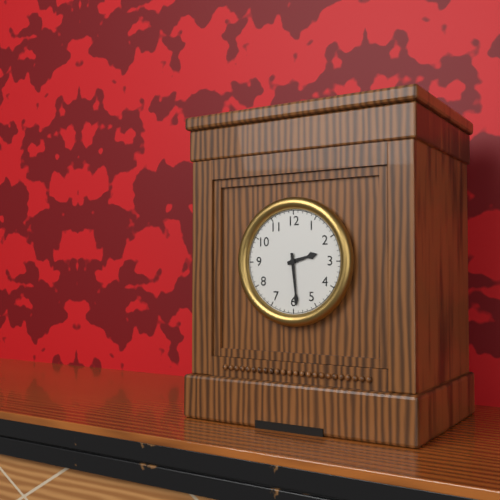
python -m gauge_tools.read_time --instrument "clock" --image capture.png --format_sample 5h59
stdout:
2h29
